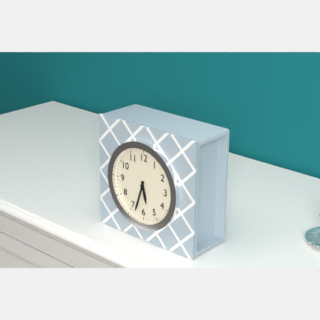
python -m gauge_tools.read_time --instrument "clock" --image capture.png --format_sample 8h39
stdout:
5h33
